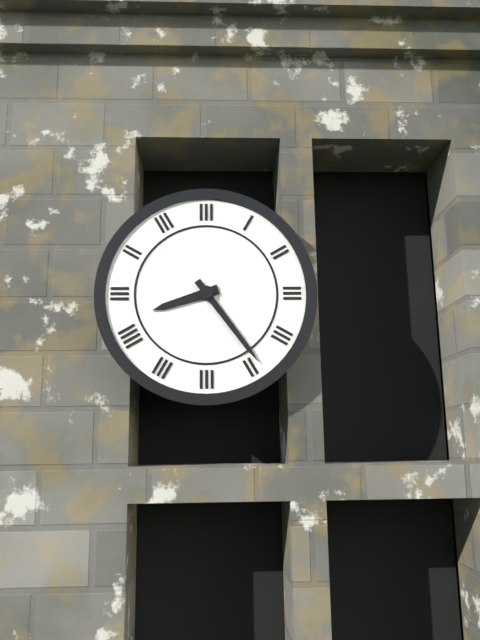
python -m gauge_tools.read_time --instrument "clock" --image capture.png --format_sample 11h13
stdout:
8h24
